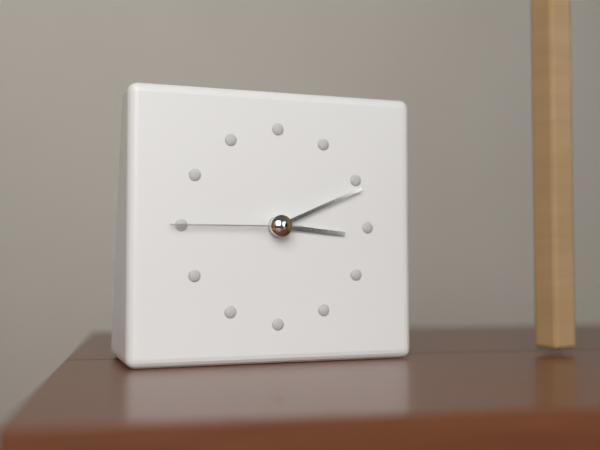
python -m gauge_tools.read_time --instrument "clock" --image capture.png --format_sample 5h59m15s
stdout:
3h11m45s
